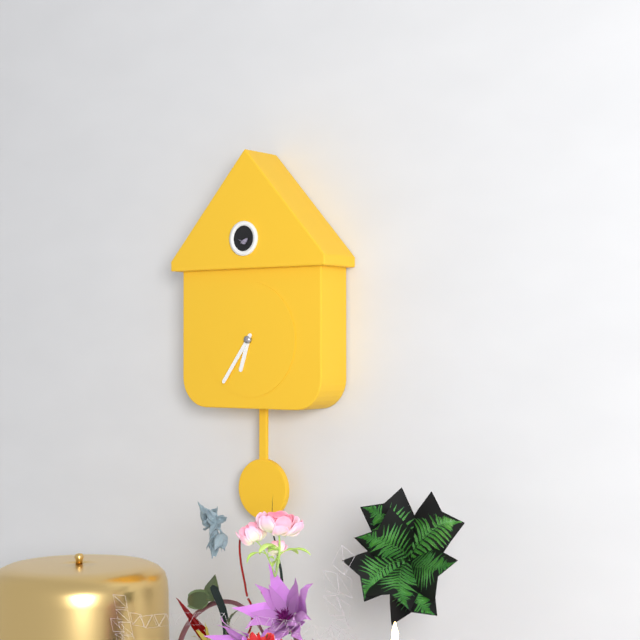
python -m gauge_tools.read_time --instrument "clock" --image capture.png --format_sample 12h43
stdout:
6h36
